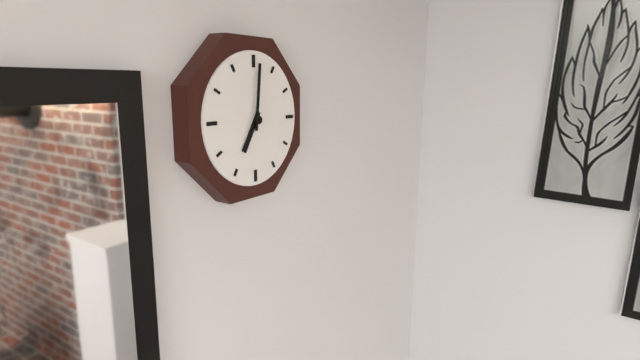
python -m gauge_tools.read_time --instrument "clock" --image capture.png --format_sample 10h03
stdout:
7h01
